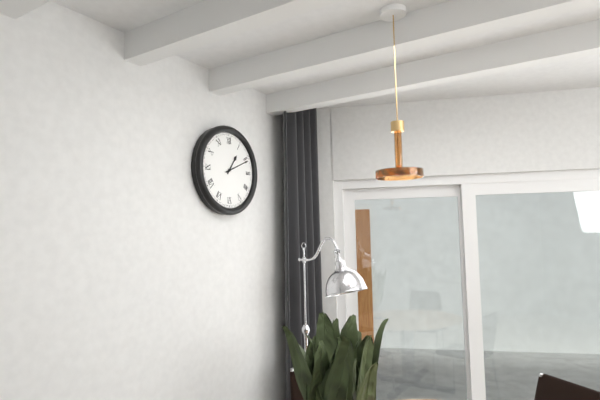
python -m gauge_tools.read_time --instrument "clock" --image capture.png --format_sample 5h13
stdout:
1h11
